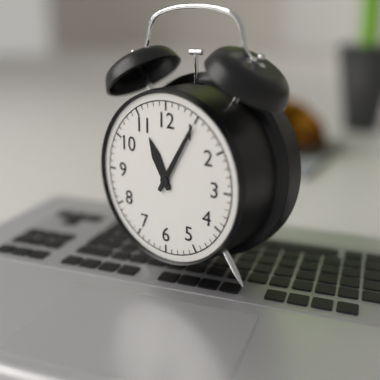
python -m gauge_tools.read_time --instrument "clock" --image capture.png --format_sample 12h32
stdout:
11h05
